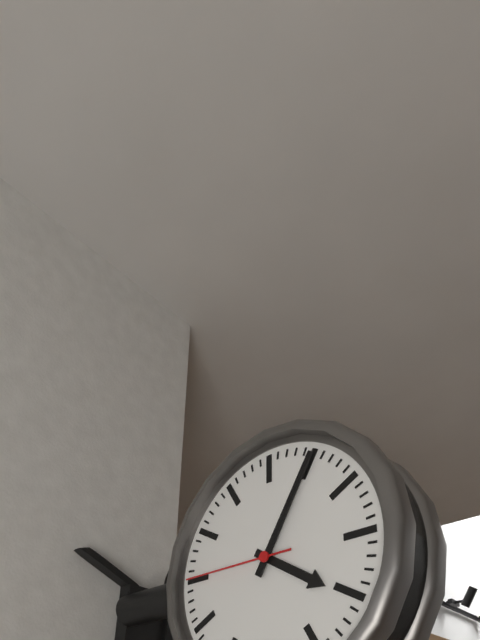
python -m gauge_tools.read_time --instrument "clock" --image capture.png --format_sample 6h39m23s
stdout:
4h05m45s
